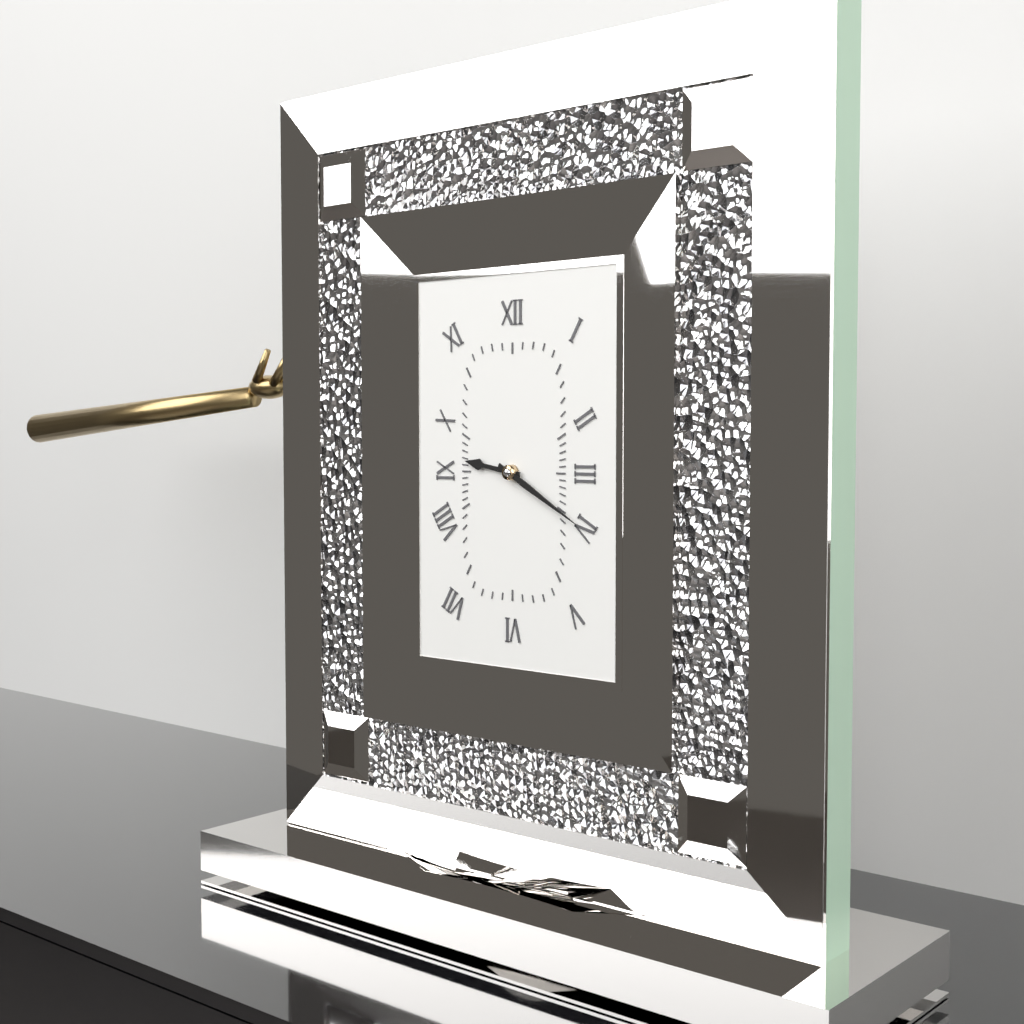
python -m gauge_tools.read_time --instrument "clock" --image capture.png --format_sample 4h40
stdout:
9h20
